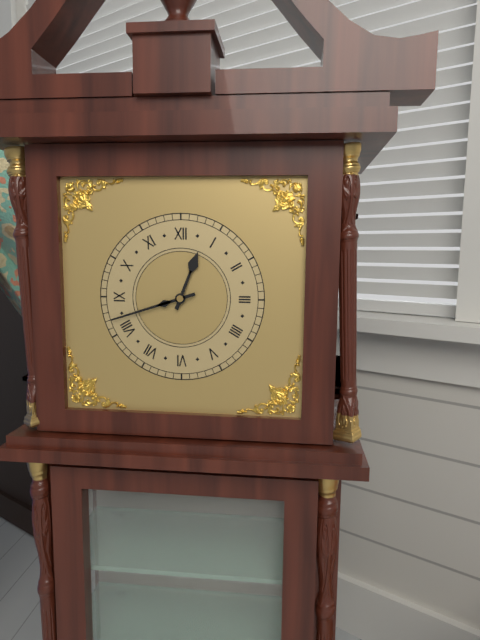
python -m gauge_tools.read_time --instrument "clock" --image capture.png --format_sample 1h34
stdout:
12h42
